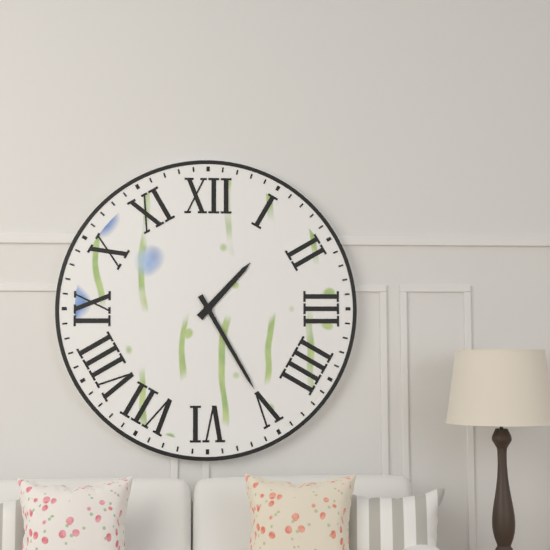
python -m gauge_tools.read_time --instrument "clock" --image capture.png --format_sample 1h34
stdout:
1h25
